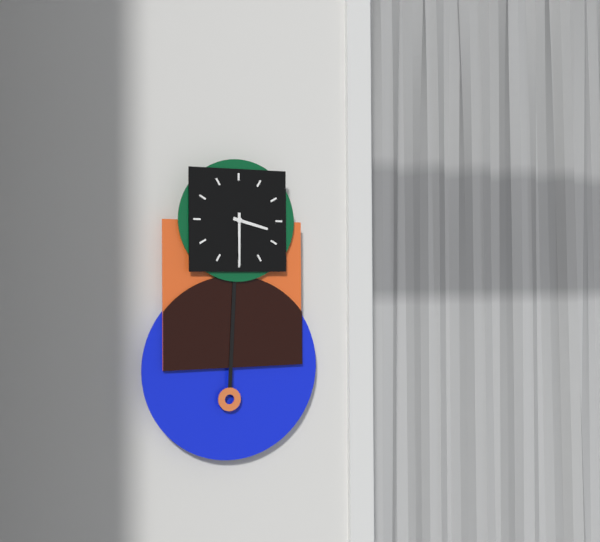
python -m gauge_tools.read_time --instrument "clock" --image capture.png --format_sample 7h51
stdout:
3h30
